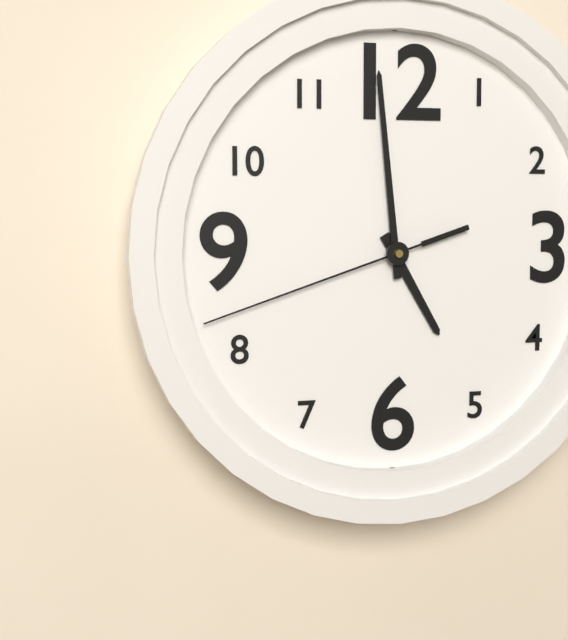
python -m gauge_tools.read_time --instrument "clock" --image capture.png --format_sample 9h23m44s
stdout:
4h59m42s
